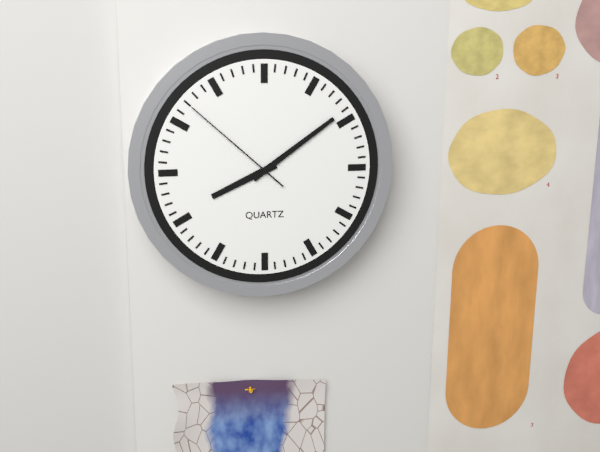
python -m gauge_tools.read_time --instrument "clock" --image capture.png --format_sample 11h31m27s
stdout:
8h09m52s
